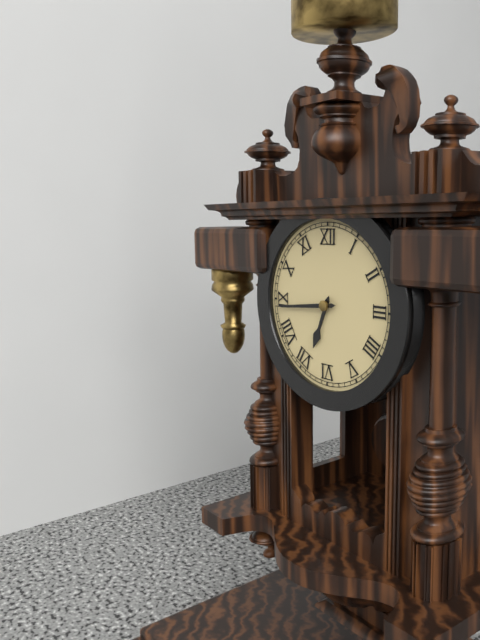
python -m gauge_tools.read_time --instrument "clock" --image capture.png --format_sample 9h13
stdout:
6h44
